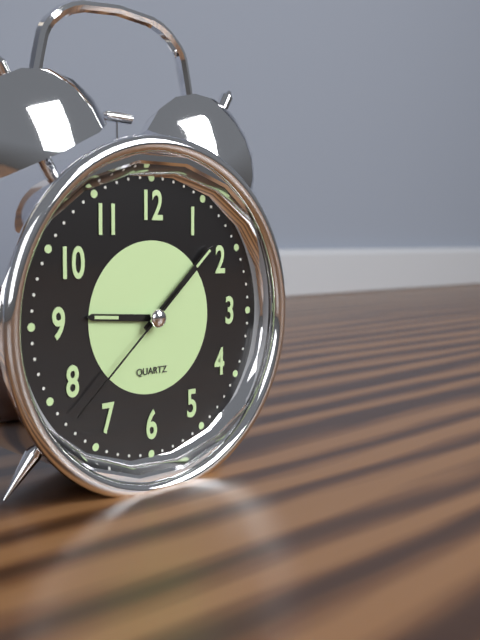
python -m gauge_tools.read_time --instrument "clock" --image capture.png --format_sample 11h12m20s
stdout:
9h08m38s
